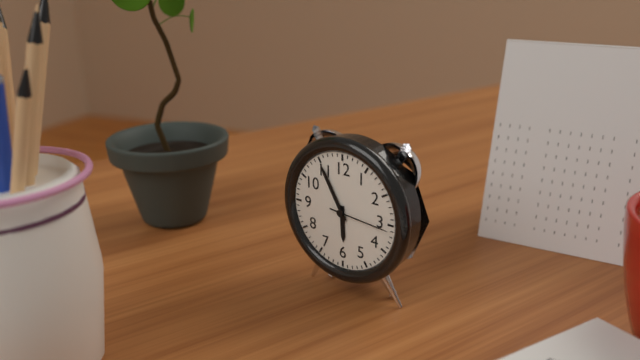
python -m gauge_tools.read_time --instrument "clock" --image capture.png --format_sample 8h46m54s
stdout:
5h55m16s
